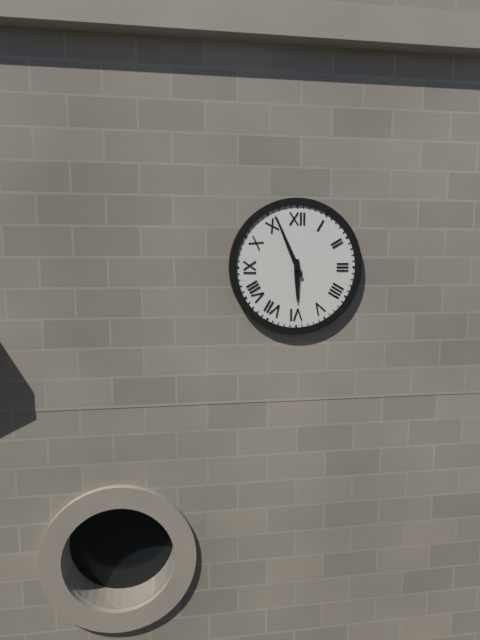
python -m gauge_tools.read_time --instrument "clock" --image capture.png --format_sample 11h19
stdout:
5h56
